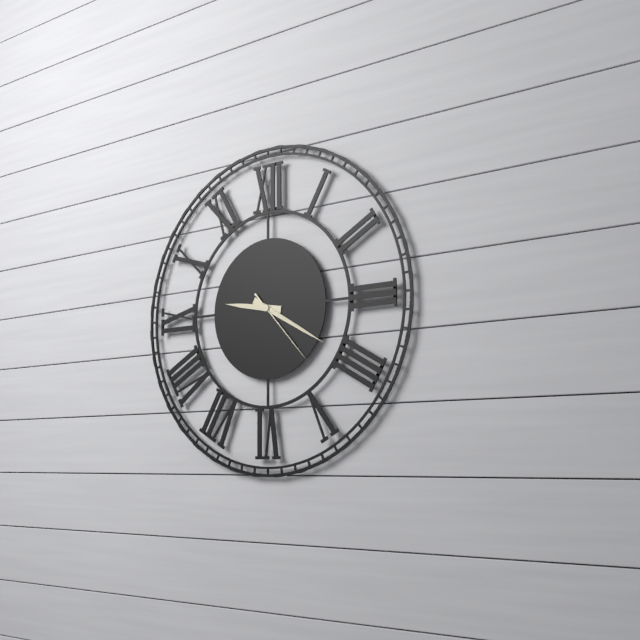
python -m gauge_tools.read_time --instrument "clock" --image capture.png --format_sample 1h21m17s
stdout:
9h20m23s
